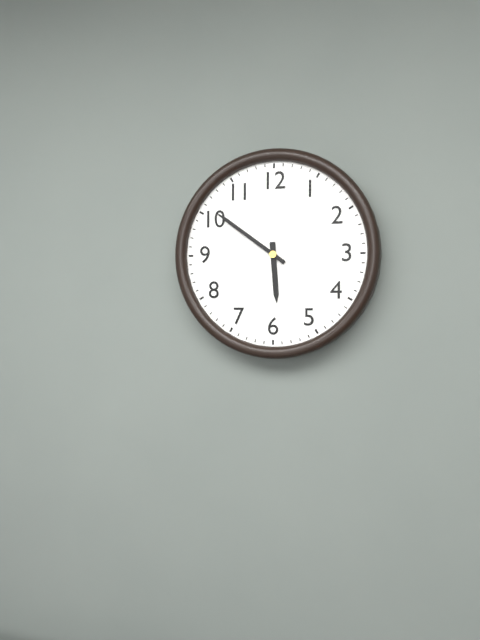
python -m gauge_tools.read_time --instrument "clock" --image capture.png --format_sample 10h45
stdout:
5h51
